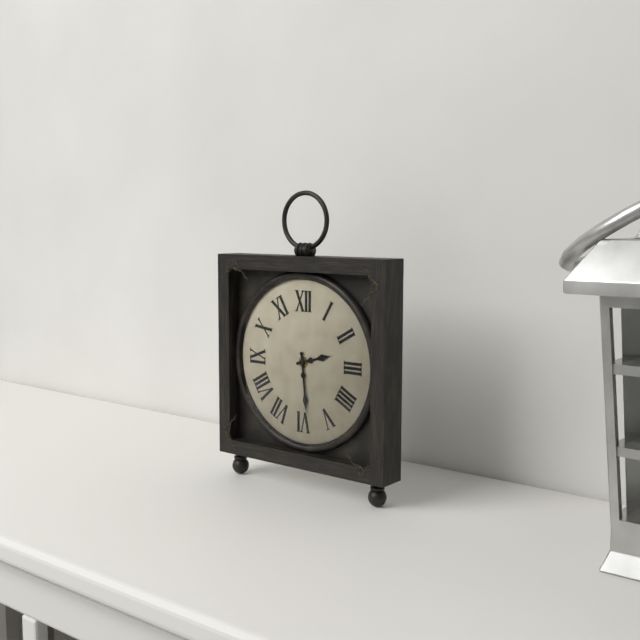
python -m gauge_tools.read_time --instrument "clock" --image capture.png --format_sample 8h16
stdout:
2h29
